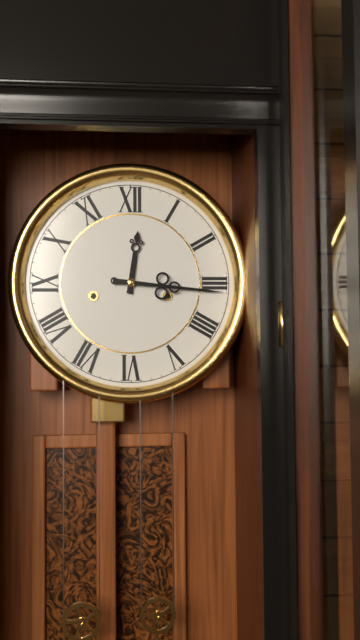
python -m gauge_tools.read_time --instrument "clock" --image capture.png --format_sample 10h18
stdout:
12h16
